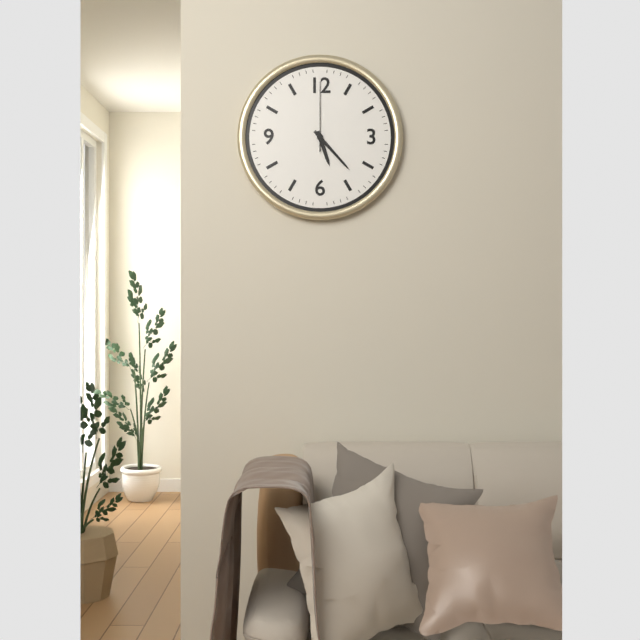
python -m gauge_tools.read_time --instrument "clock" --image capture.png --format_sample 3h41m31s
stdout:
5h23m00s
